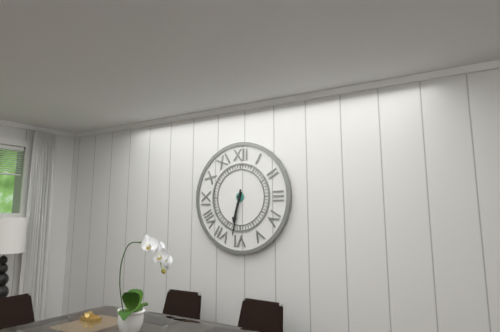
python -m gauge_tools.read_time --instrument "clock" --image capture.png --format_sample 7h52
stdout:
6h32
